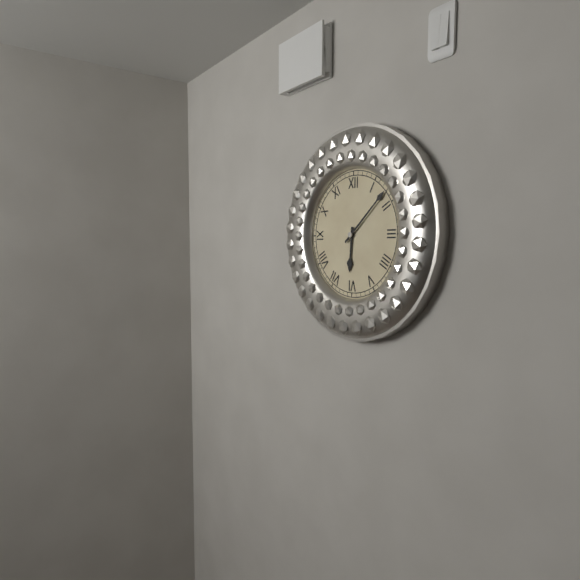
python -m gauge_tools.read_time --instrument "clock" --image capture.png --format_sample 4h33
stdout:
6h08
